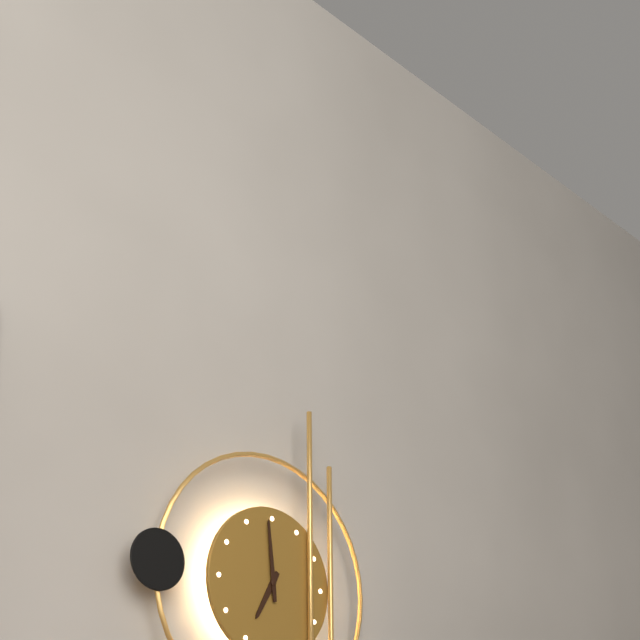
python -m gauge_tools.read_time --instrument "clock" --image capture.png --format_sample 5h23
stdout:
6h59
